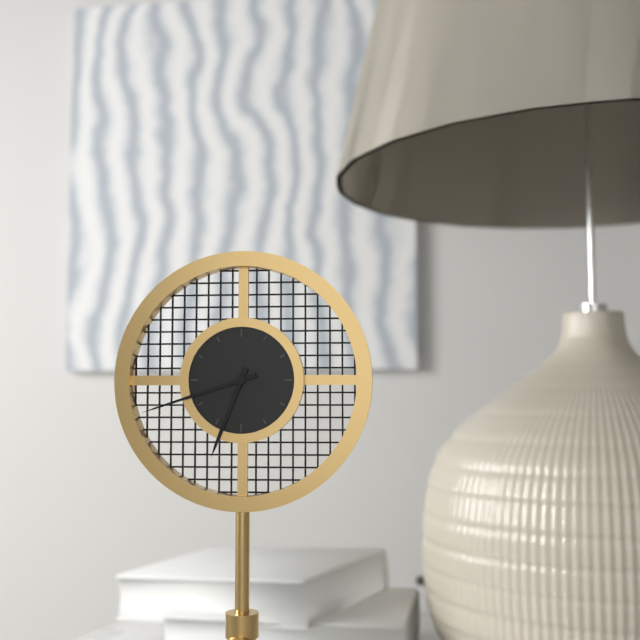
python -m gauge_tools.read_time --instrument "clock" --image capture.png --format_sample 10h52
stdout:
6h42
